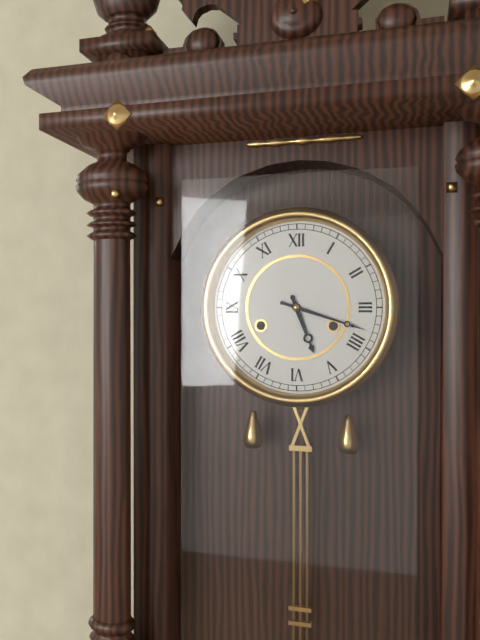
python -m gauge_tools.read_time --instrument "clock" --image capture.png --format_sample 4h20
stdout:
5h18
